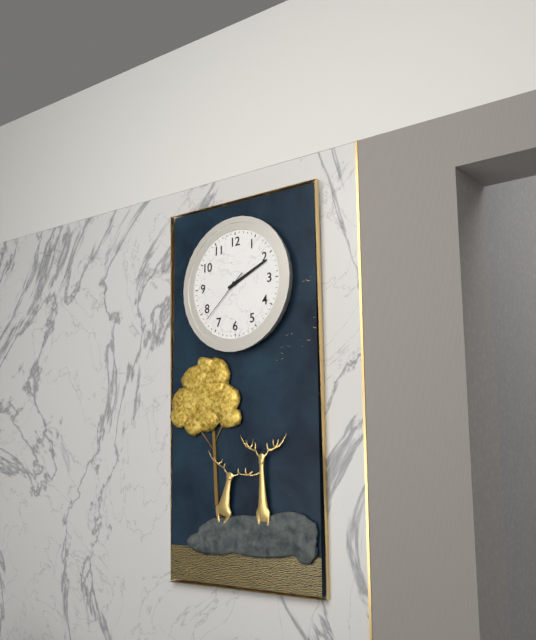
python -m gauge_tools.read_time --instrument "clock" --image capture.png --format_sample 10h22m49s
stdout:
2h11m38s
